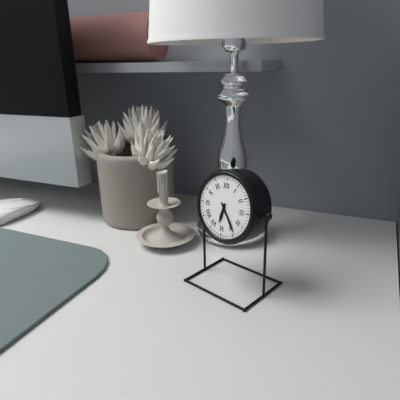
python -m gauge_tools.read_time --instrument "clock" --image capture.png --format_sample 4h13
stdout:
6h24
